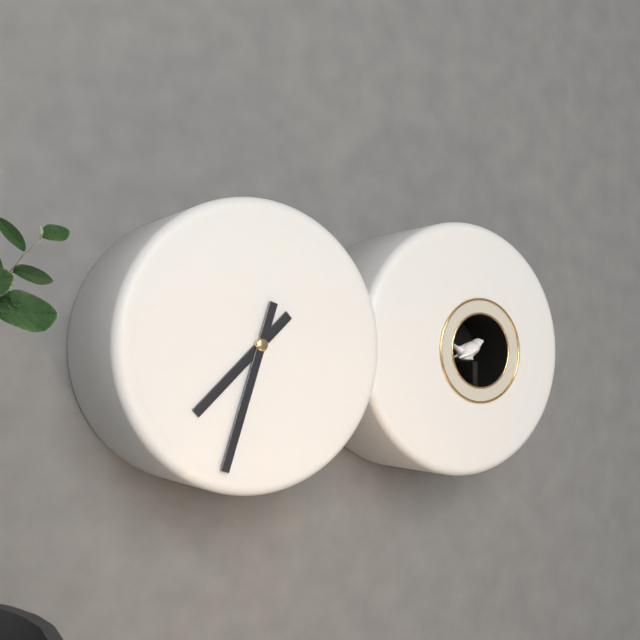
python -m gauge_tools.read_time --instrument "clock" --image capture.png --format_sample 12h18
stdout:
7h33
